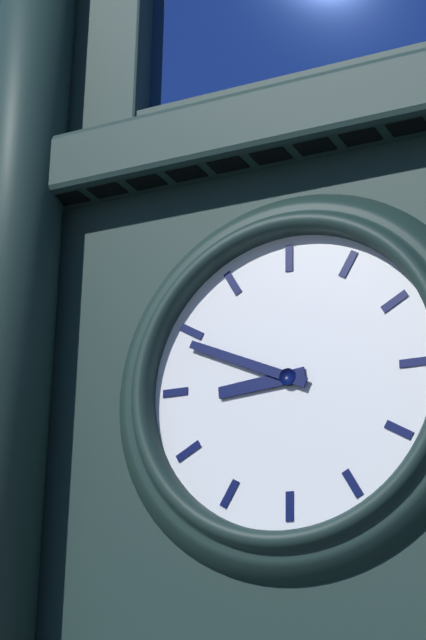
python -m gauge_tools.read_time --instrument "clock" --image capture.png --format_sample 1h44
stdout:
8h49
